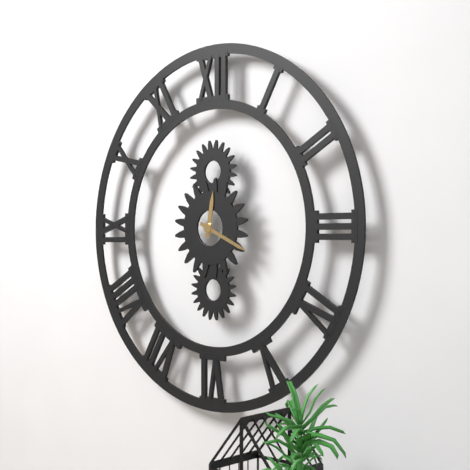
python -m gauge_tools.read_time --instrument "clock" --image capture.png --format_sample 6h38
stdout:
12h19
